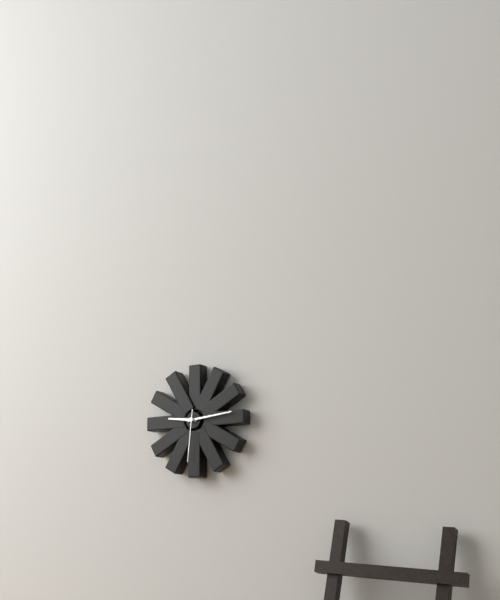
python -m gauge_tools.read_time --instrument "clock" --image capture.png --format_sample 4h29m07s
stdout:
9h14m31s
